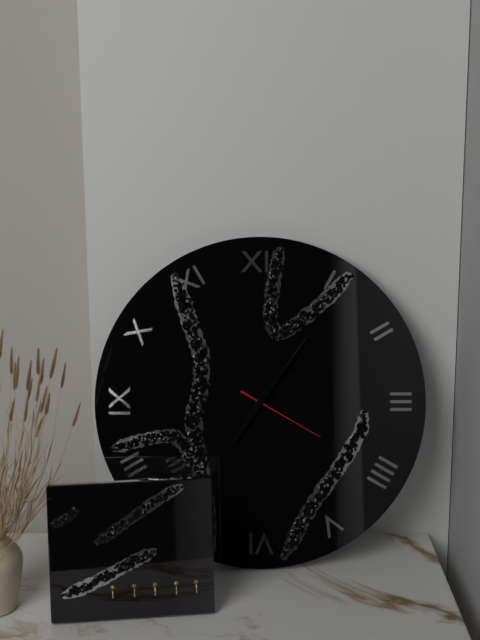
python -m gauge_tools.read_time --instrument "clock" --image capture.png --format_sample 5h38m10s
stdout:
7h06m20s
